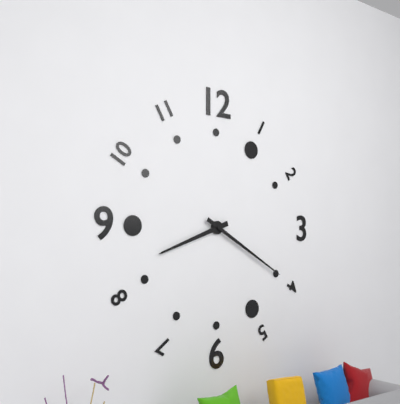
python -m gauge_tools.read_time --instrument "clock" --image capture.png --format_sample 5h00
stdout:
8h20
